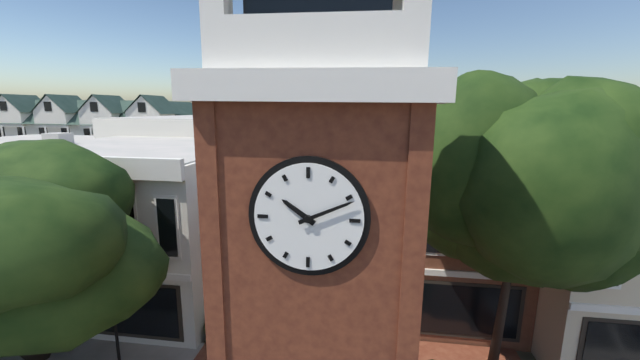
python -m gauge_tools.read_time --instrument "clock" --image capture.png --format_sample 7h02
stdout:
10h11
